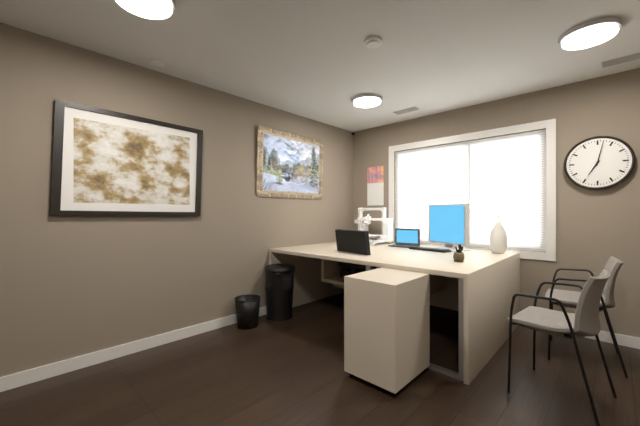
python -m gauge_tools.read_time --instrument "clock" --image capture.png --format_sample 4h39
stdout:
7h02
